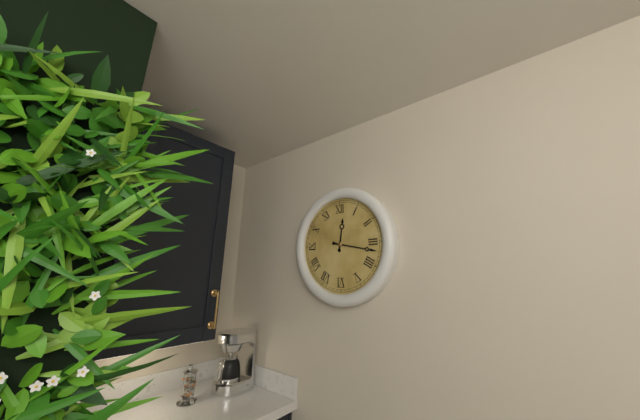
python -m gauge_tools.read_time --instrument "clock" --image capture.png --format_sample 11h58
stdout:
12h17
